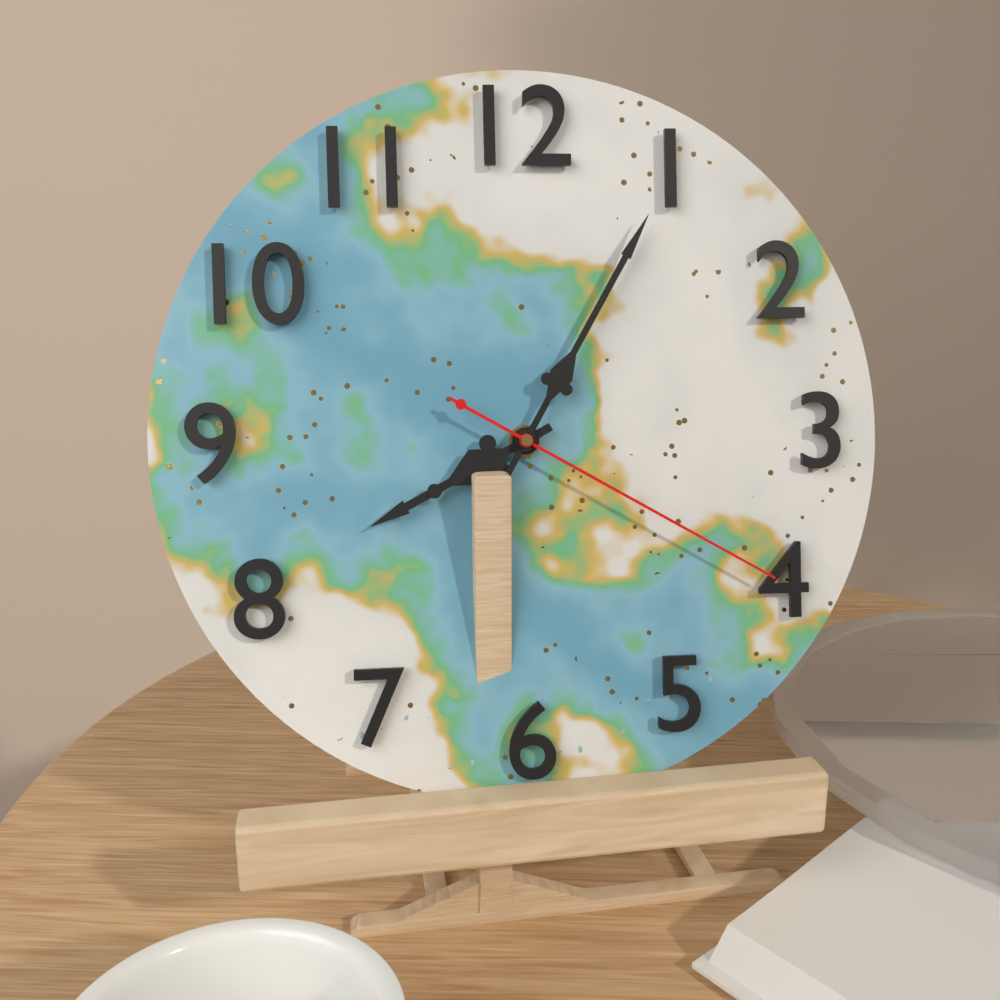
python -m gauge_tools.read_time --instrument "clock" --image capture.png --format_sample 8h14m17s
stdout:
8h05m20s
